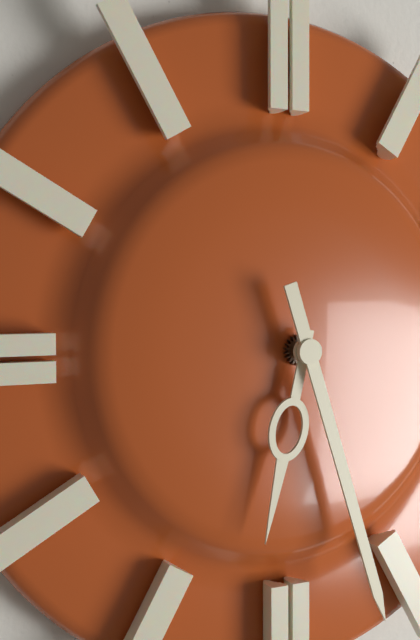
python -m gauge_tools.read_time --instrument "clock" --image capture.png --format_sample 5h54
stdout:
6h27
